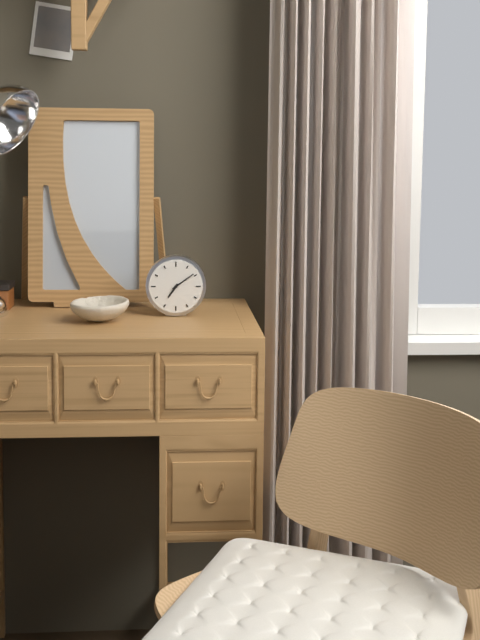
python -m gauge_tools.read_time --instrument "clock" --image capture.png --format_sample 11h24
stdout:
7h09
